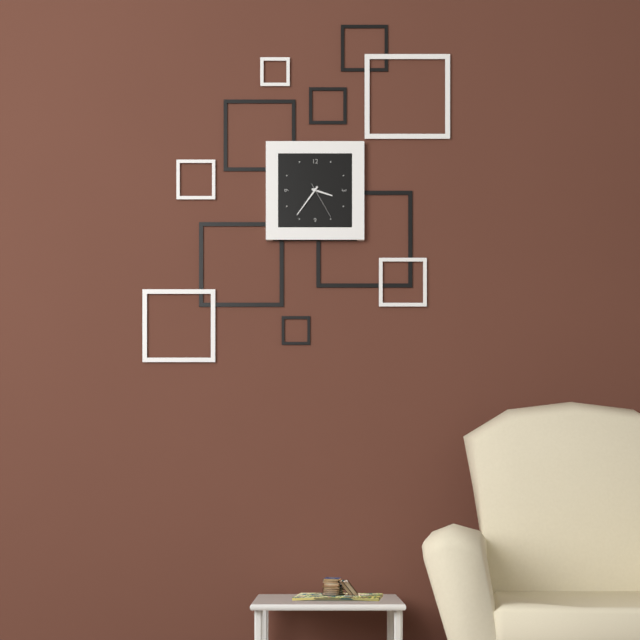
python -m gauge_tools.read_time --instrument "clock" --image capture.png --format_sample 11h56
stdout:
3h36
